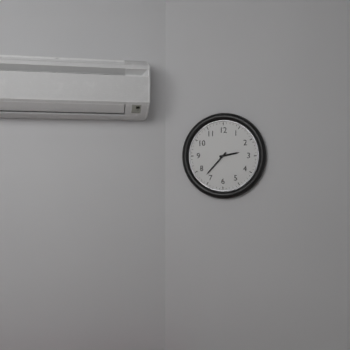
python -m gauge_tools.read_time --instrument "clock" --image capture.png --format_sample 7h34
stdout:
2h37
